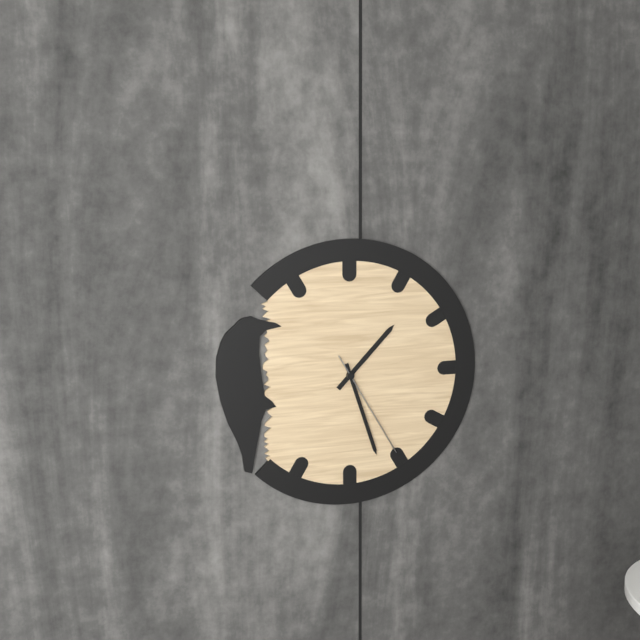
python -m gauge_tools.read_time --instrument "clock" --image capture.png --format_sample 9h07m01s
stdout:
1h27m25s
